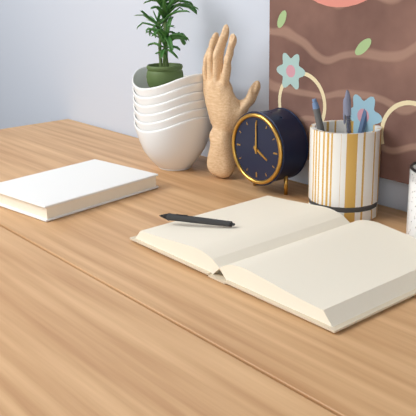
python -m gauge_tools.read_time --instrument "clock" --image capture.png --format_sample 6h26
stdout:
4h00
